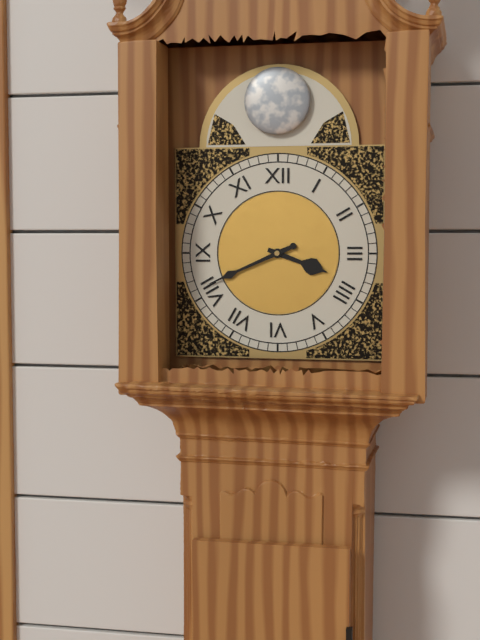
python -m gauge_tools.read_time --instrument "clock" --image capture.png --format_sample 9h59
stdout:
3h41
